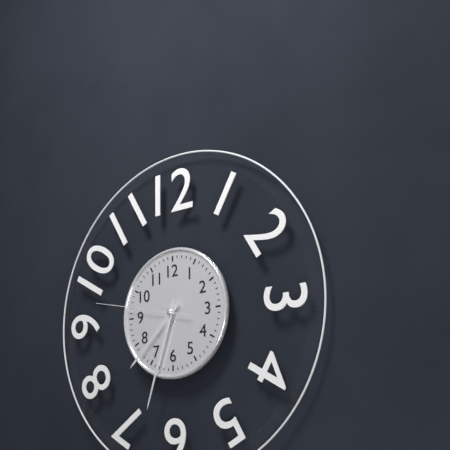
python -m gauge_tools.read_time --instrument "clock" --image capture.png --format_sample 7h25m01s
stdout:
7h33m47s
